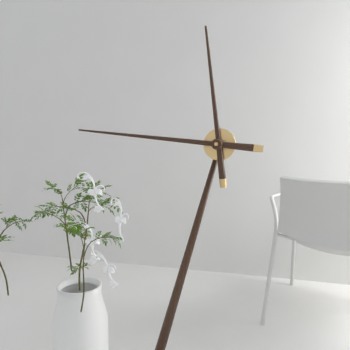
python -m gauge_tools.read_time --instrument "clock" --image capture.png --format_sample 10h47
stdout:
11h46
